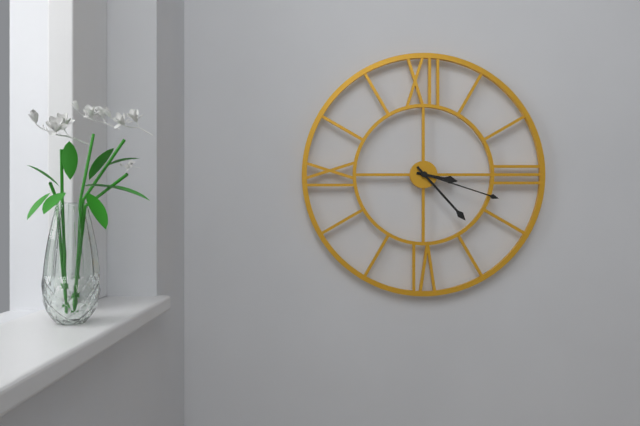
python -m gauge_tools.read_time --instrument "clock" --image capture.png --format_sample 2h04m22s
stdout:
3h23m18s
